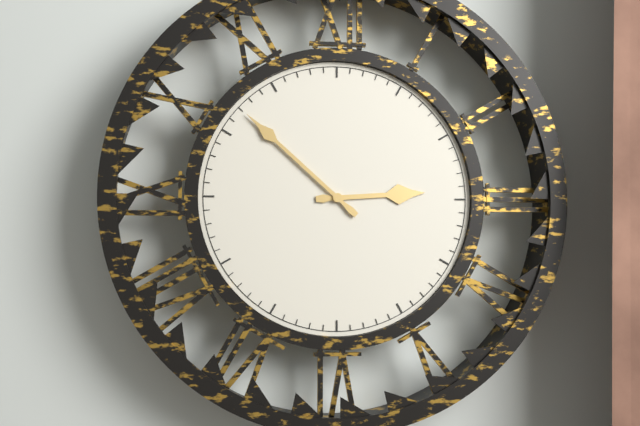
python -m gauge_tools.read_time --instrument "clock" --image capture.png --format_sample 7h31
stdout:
2h52
